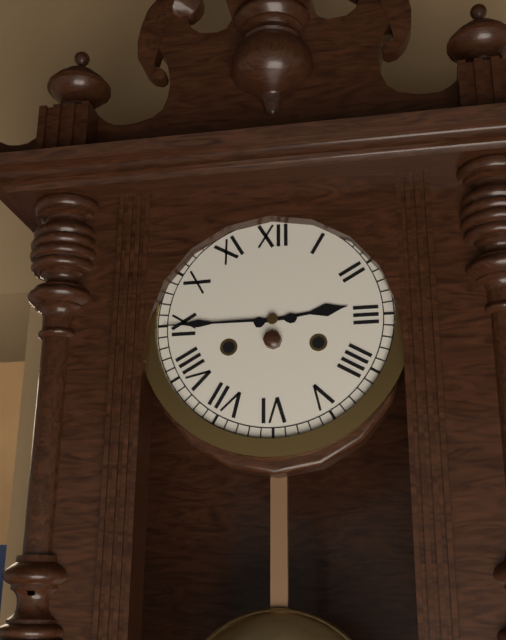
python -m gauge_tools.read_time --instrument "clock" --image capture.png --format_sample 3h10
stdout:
2h45
